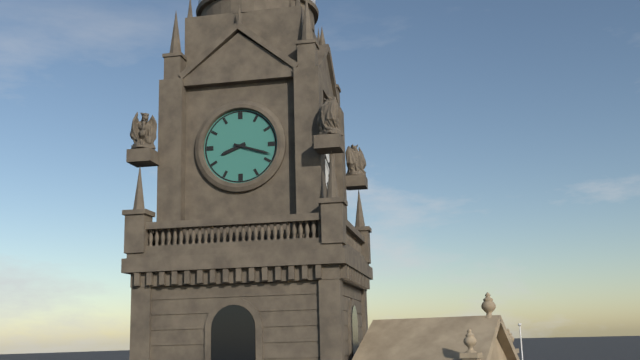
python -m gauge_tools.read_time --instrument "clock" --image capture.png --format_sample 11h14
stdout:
8h18
